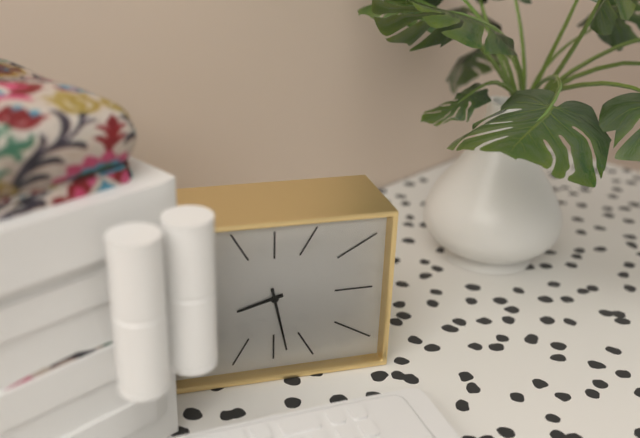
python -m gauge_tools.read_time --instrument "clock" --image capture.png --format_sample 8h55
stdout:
8h28
